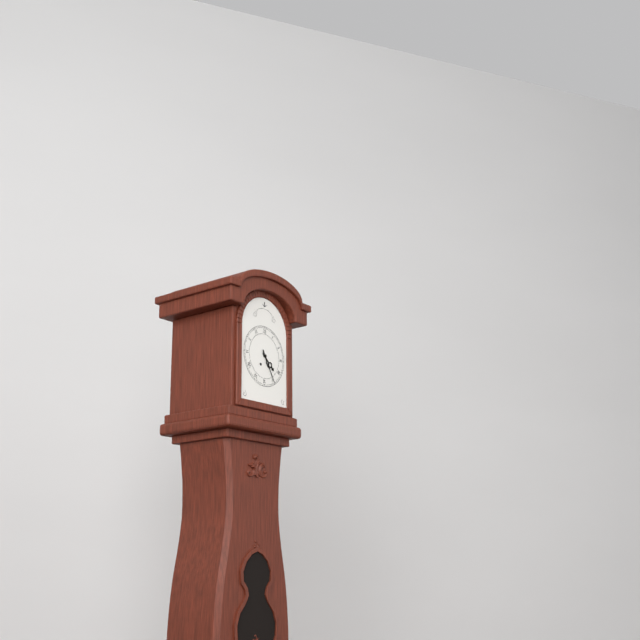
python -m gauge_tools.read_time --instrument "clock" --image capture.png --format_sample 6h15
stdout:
4h25
